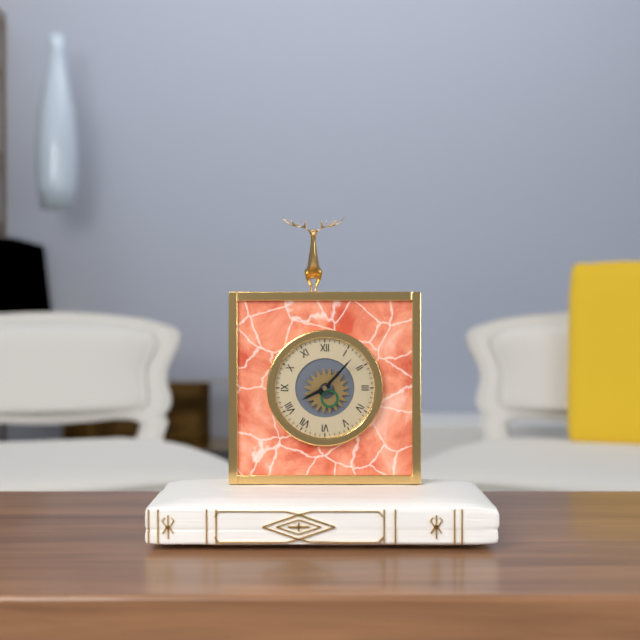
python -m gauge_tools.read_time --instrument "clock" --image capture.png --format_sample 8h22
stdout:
8h07
